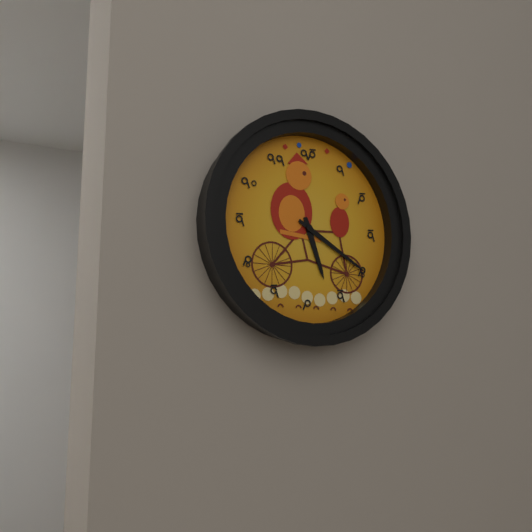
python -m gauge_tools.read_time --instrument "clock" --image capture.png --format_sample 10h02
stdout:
5h20
